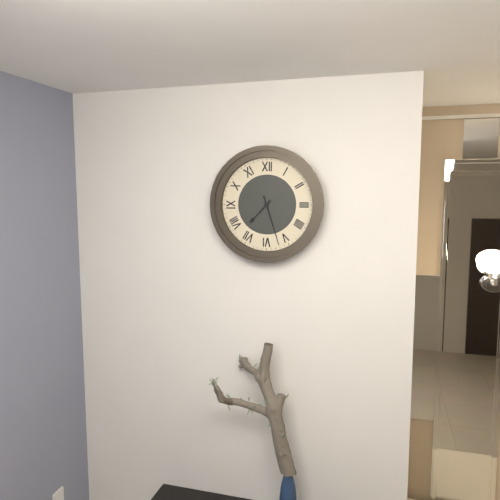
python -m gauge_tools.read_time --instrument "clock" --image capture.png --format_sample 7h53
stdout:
7h27
